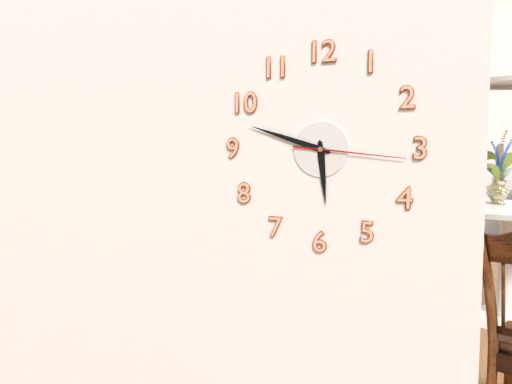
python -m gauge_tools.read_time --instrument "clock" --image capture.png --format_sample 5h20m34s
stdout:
5h48m16s
